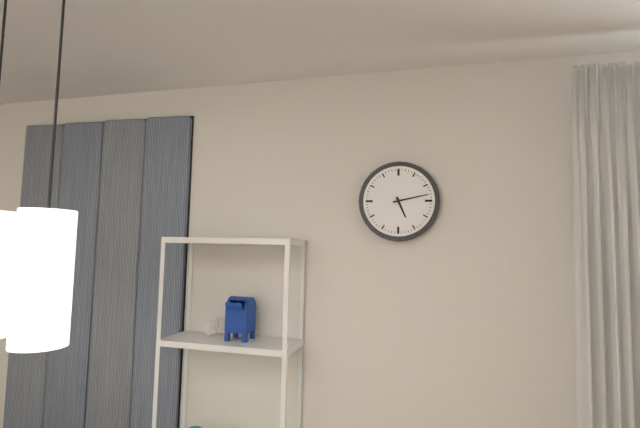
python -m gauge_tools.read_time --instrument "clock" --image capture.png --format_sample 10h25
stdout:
5h13
